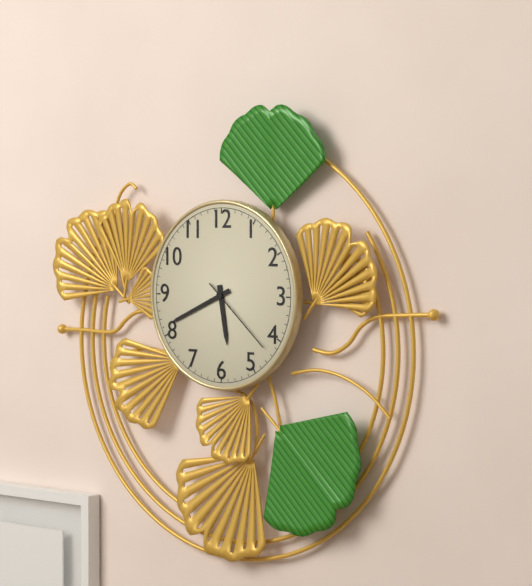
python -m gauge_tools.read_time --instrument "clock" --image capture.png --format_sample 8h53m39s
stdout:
5h41m22s
